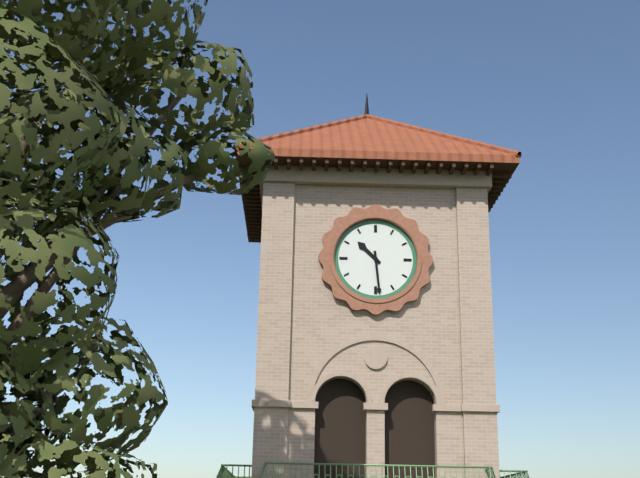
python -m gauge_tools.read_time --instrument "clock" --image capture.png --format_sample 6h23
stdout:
10h29
